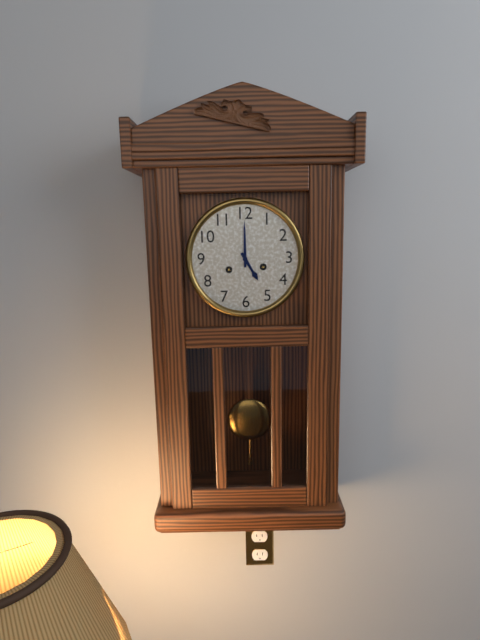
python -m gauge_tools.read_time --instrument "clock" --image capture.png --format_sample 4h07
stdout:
5h00
